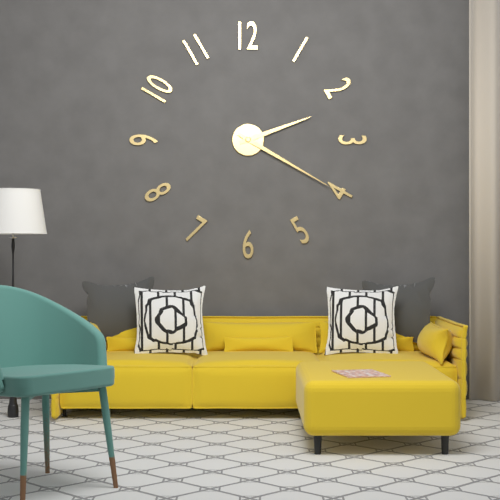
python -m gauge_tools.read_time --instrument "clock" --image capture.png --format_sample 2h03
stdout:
2h20
